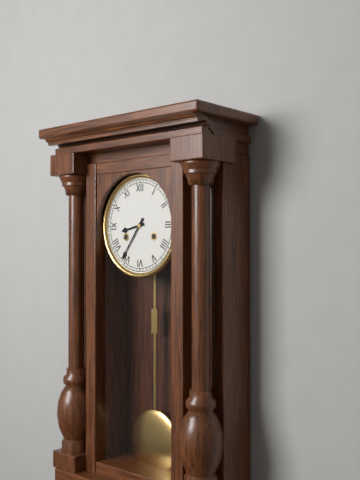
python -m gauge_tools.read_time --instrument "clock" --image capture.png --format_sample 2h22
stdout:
8h36
